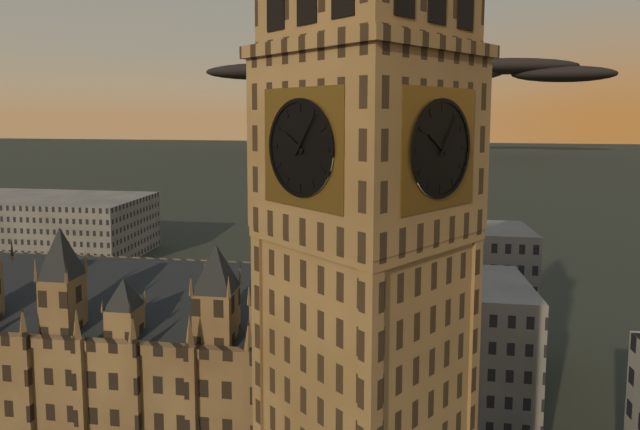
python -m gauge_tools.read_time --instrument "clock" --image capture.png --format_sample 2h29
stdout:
10h06
